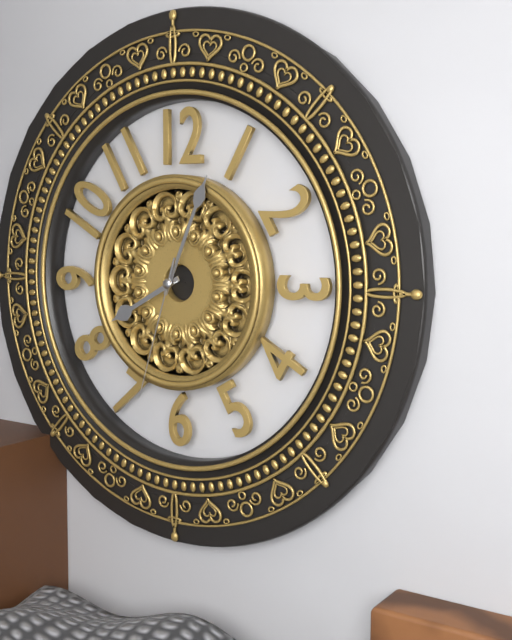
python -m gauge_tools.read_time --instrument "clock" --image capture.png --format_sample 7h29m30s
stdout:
8h04m33s
